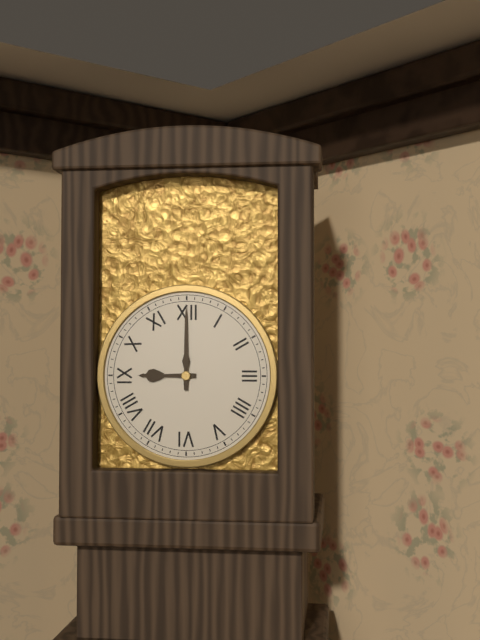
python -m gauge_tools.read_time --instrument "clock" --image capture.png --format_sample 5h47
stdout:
9h00
